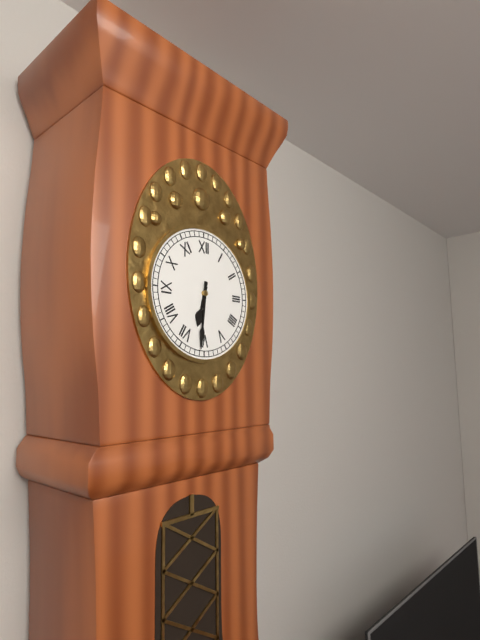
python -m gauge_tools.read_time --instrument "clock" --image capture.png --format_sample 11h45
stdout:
6h31
